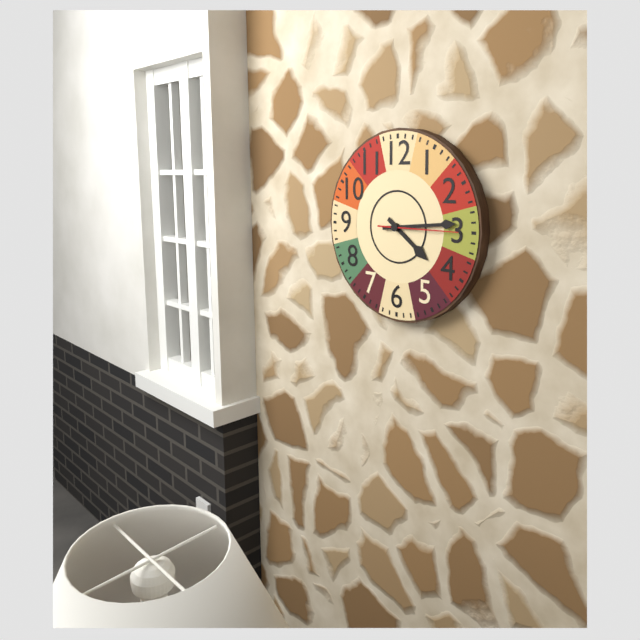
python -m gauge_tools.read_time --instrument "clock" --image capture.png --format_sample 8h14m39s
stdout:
4h14m15s
